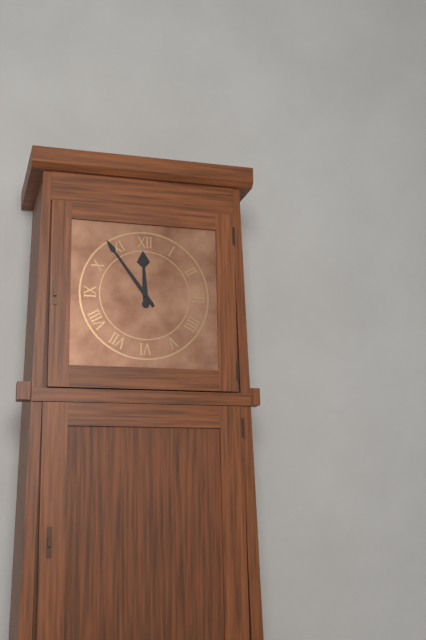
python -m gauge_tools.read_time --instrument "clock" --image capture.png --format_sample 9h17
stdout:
11h54
